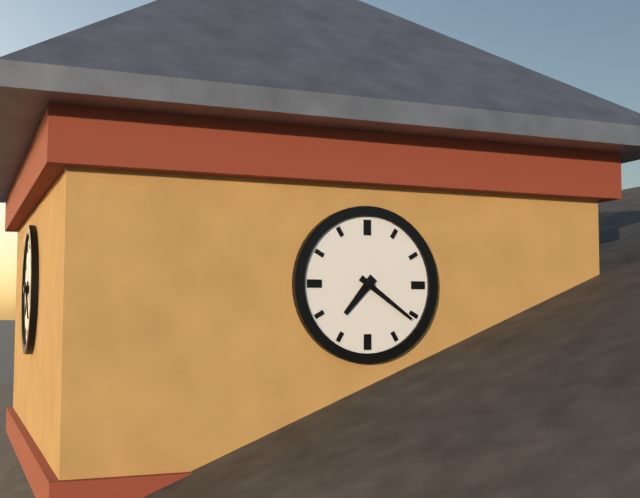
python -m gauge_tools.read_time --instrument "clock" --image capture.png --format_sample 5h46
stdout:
7h21
